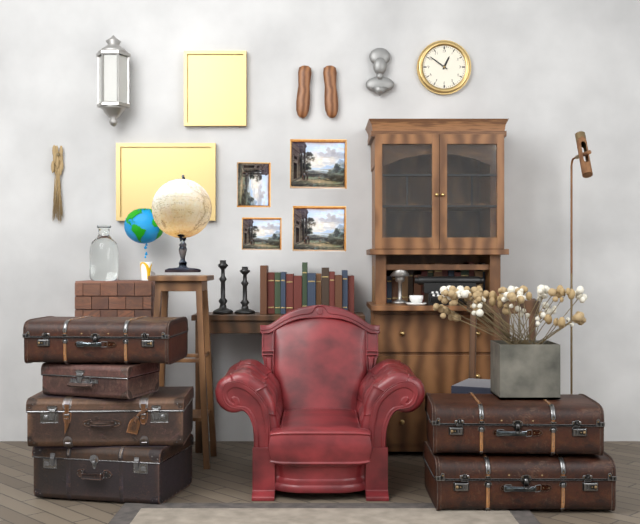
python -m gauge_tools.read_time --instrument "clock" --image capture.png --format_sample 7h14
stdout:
12h51
